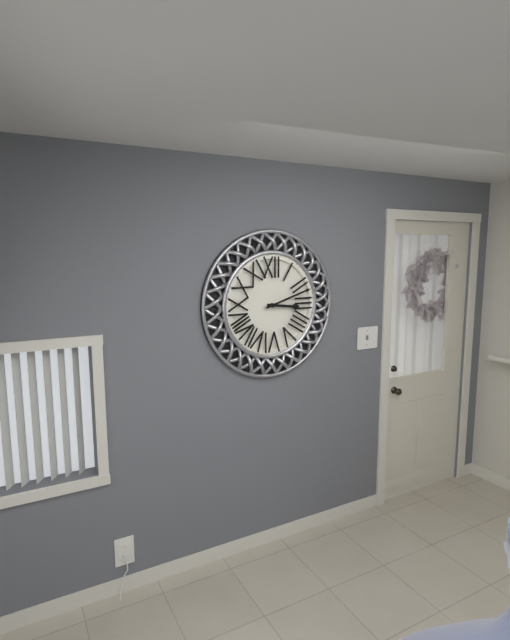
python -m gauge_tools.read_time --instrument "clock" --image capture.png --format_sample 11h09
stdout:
3h12
